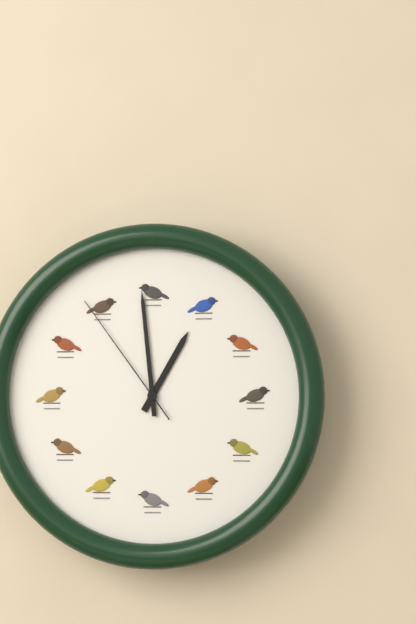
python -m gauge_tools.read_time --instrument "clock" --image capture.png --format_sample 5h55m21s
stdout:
12h59m54s
